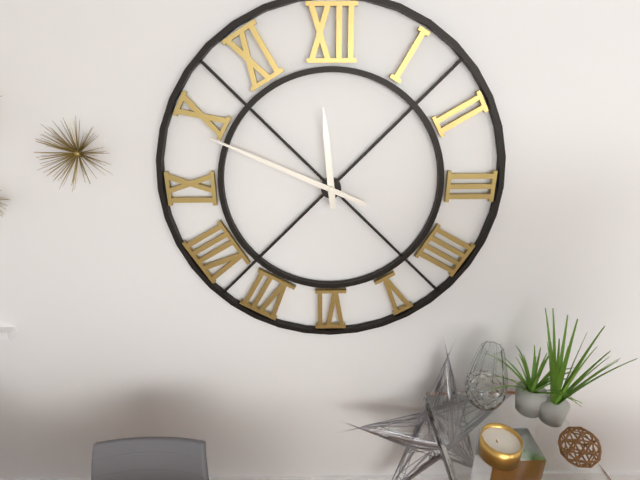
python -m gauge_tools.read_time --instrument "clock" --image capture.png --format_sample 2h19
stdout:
11h49
